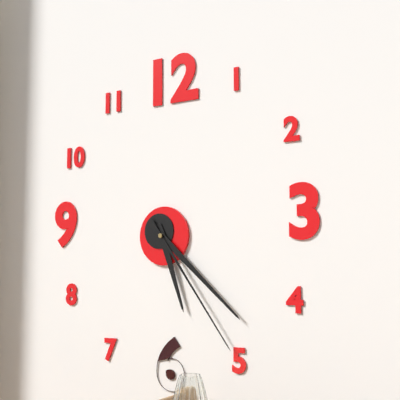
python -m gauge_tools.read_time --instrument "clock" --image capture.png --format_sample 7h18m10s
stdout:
5h22m24s
